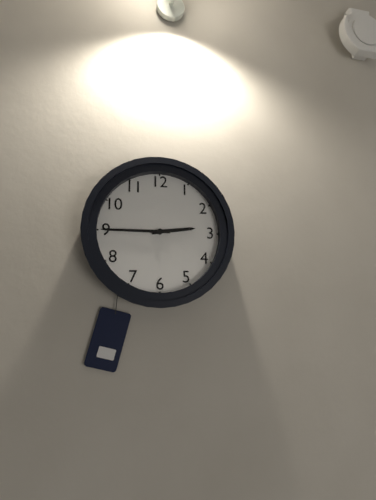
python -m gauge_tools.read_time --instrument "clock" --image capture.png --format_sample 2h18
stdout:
2h45
